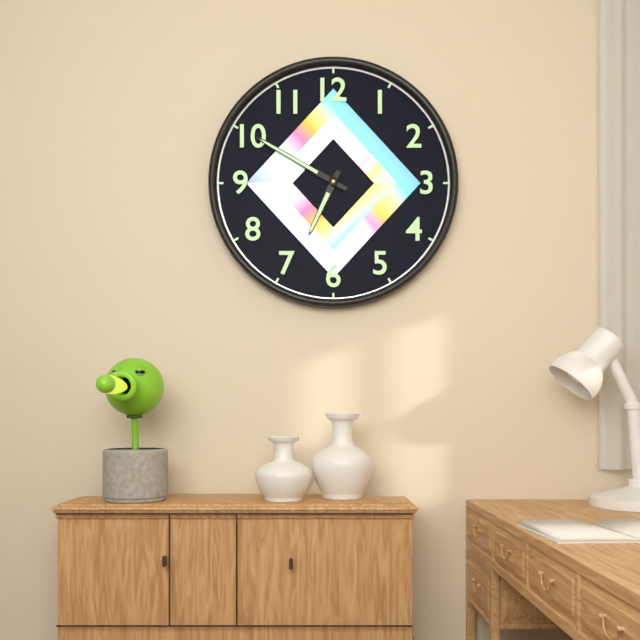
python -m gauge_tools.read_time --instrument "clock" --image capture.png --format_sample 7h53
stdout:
6h50
